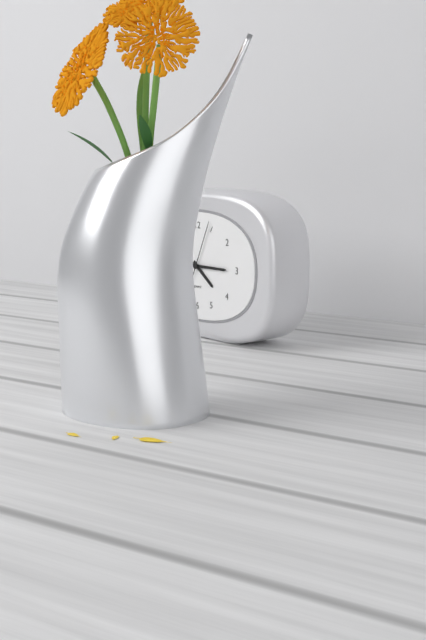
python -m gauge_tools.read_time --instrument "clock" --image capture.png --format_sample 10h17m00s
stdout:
4h15m04s
